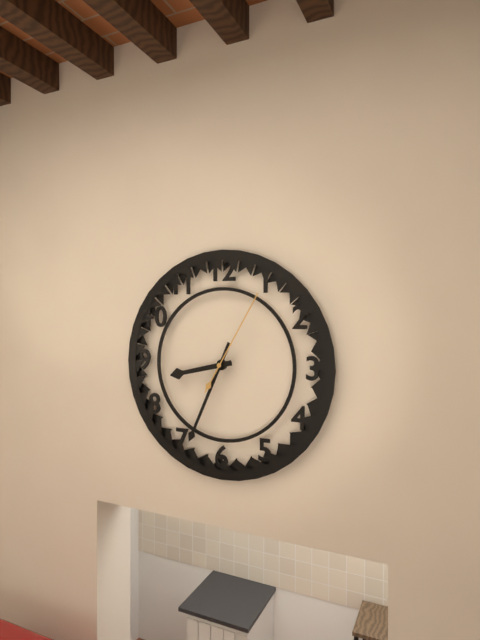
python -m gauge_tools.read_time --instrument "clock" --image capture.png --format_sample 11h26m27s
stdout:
8h34m05s
